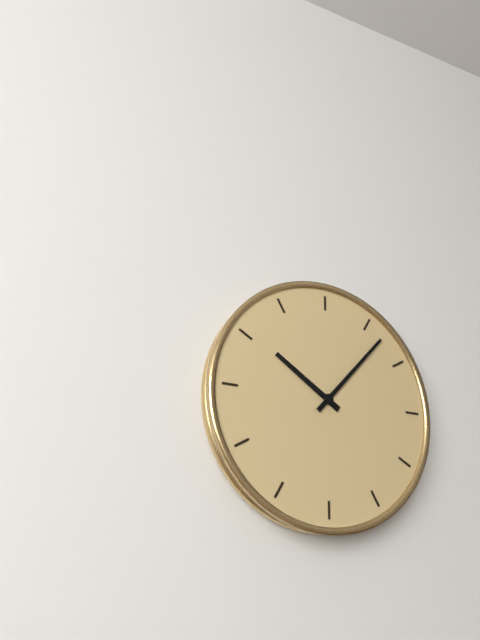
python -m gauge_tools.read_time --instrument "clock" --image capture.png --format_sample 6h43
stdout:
10h07
